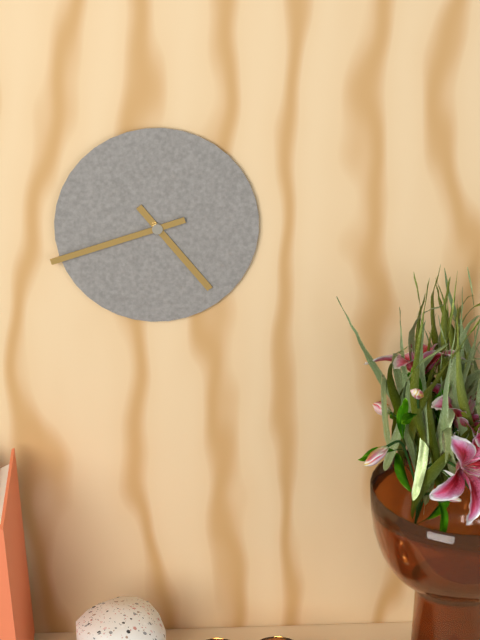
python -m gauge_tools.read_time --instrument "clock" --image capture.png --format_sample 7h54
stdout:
4h42
